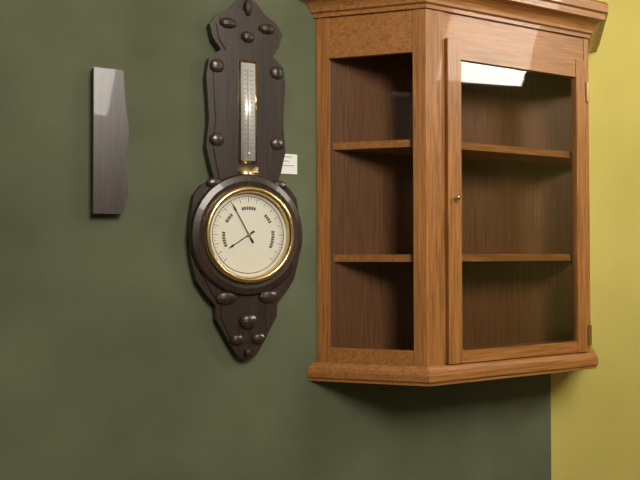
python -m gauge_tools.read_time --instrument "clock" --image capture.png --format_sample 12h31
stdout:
7h55
